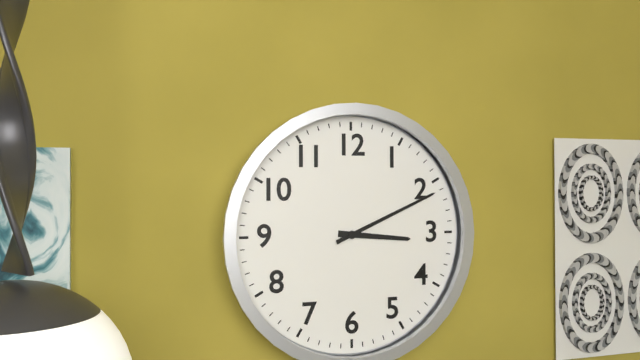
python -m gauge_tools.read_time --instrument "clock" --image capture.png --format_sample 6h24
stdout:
3h11
